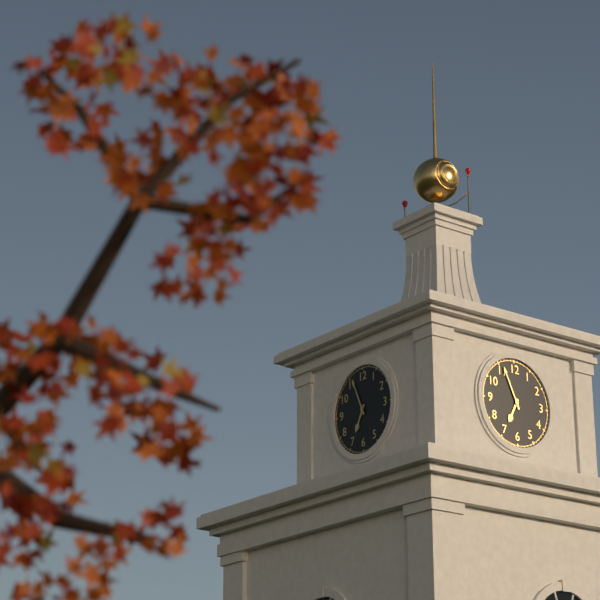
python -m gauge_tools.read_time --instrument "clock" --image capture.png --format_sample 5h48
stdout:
6h56
